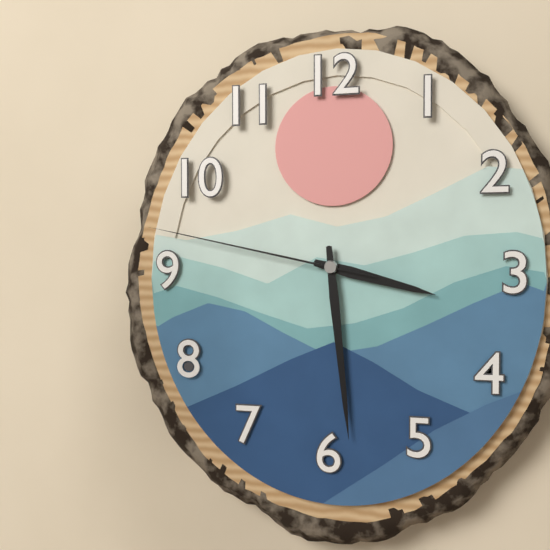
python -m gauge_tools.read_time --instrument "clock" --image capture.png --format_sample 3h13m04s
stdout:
3h29m47s
